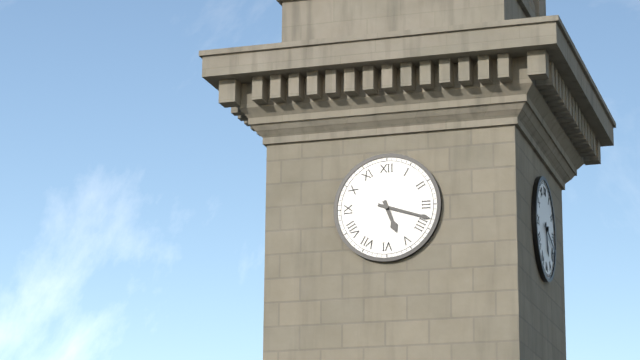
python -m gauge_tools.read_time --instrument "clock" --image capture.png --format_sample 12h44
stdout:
5h18
